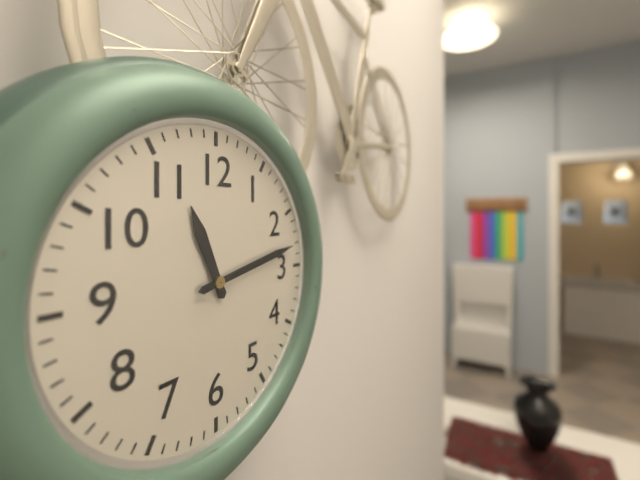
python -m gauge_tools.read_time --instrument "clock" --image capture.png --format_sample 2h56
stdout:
11h13
